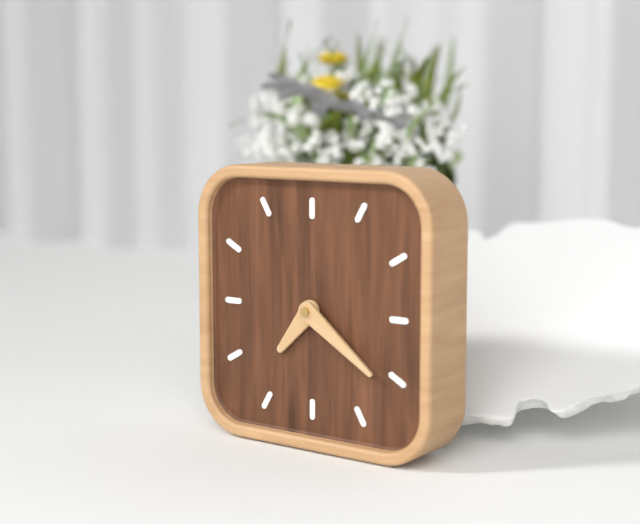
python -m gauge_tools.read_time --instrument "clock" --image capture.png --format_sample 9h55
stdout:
7h21
